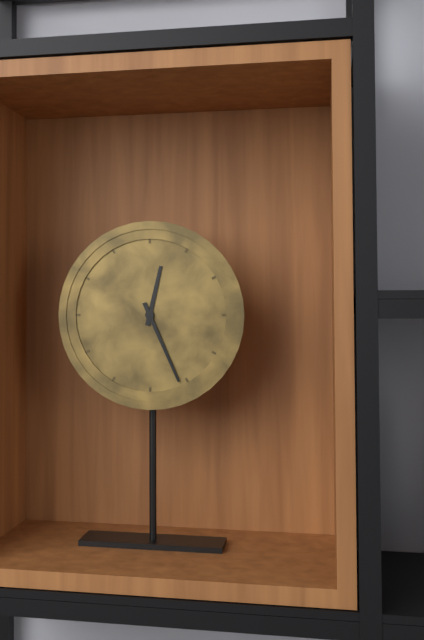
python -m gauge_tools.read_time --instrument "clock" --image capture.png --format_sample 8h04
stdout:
12h26
